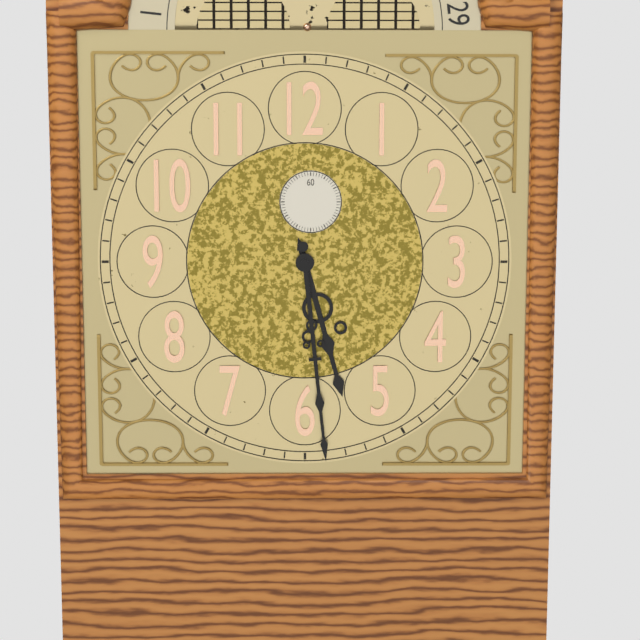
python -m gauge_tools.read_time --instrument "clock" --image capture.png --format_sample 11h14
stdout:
5h29
